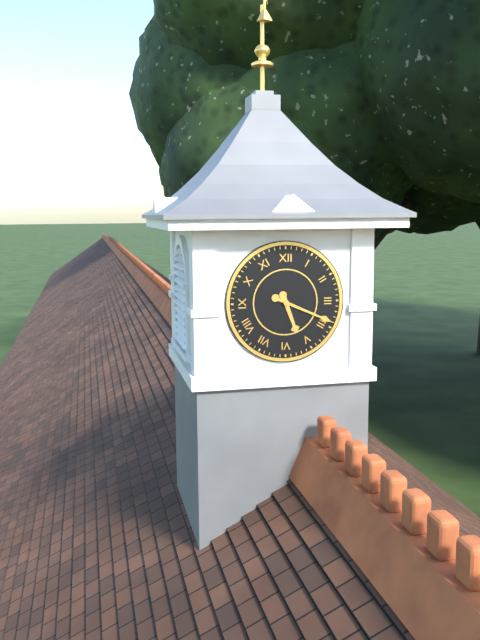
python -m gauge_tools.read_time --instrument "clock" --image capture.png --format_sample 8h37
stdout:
5h19
